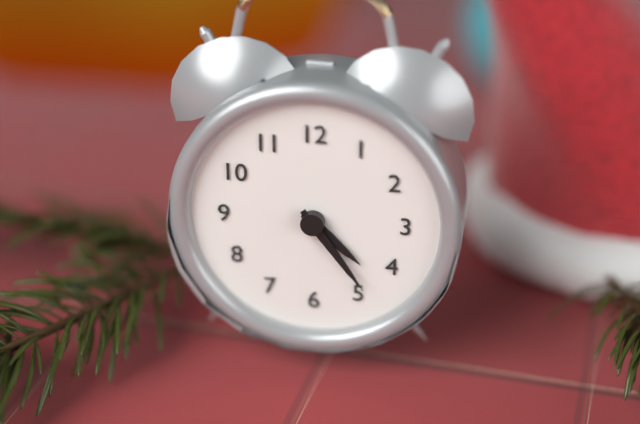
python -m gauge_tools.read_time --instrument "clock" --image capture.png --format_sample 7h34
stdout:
4h24
